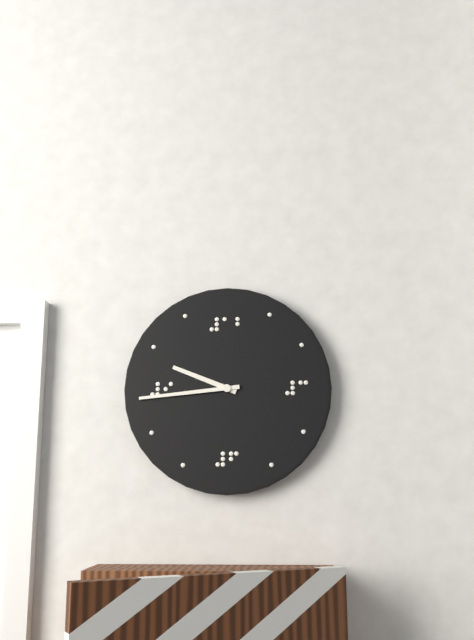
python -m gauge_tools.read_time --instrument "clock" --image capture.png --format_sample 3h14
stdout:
9h44
